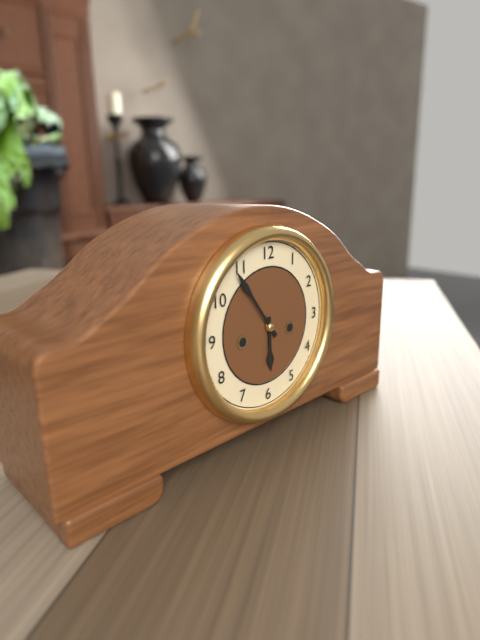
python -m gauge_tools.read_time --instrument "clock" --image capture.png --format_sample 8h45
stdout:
5h54
